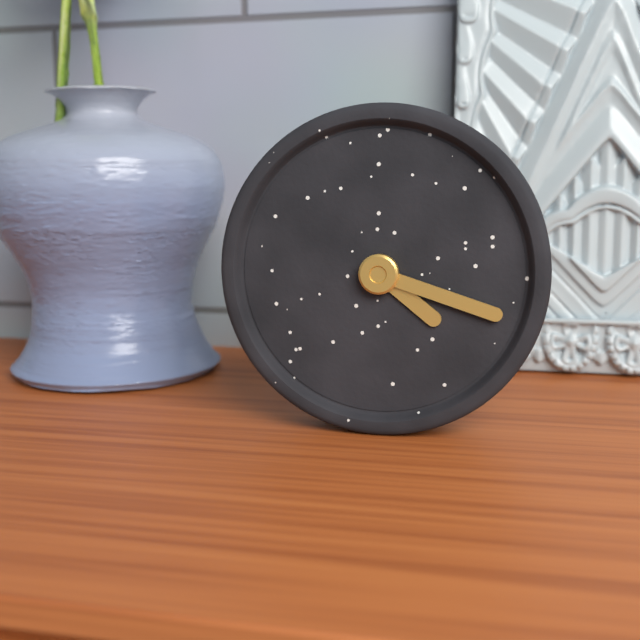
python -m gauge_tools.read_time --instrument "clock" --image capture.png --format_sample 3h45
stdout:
4h18
